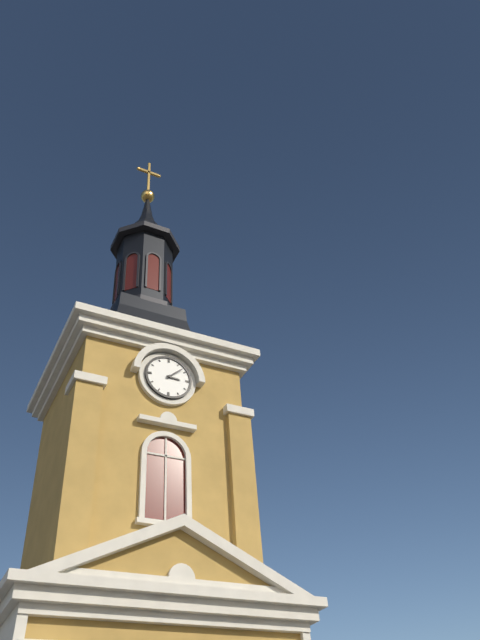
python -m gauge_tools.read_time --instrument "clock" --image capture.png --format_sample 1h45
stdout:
3h08
